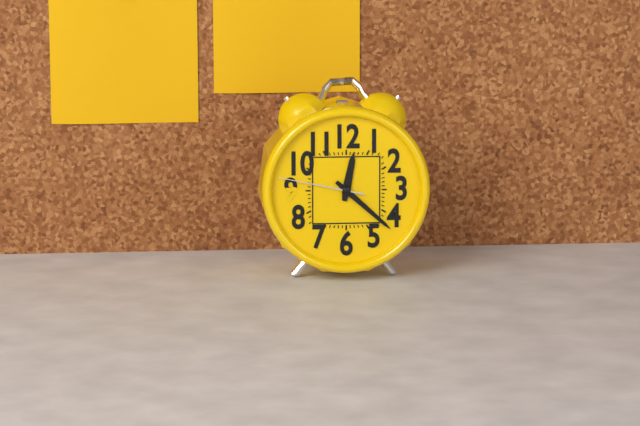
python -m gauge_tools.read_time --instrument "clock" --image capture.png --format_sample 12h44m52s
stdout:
12h22m47s
